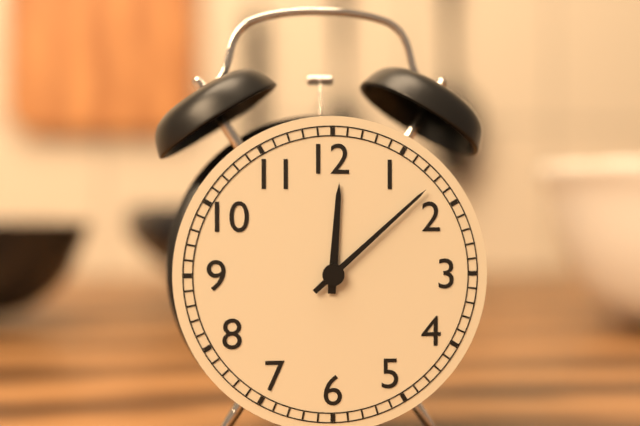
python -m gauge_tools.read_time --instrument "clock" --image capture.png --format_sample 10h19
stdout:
12h08
